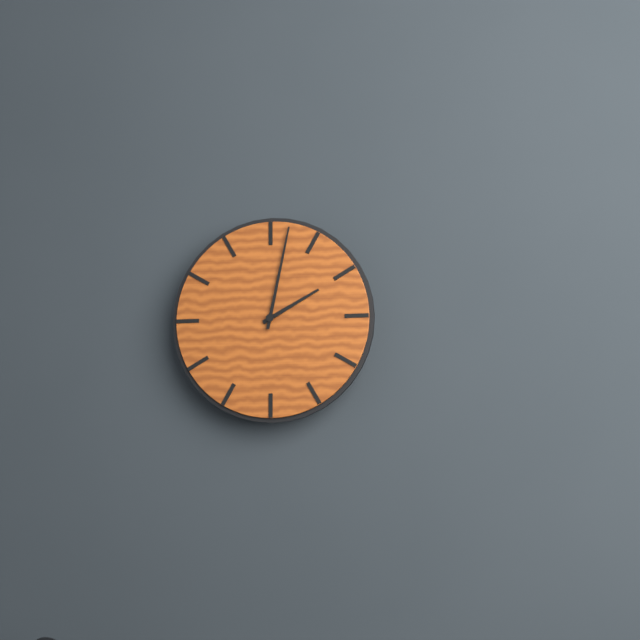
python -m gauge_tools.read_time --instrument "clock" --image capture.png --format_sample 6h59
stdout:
2h02
